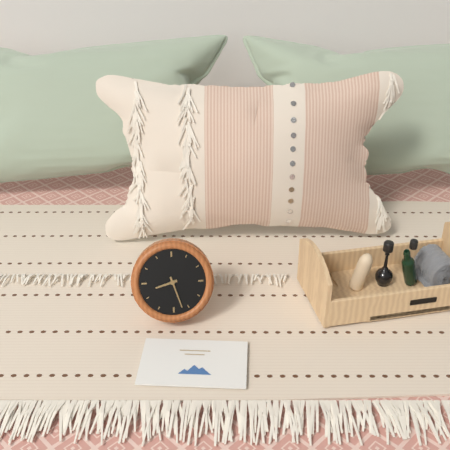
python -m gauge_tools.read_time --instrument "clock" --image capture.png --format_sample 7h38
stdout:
8h27
